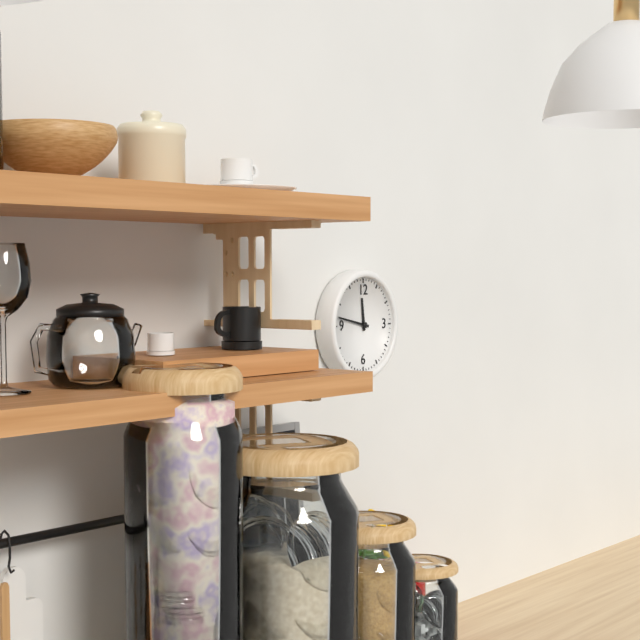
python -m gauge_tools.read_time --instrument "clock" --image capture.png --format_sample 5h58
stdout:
11h47
